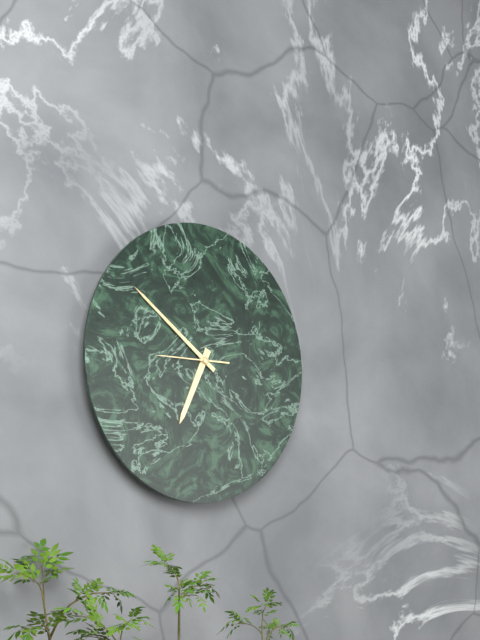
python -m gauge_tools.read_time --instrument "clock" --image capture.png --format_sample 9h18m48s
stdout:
6h51m45s
